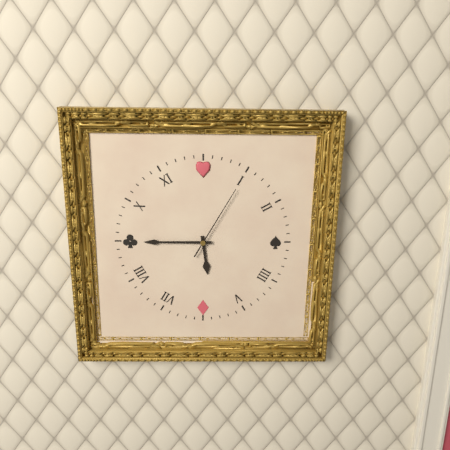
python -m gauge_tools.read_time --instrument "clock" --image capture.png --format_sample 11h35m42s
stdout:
5h45m05s
